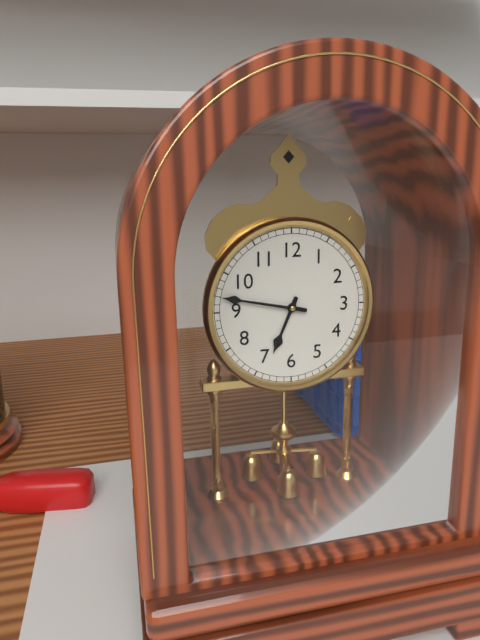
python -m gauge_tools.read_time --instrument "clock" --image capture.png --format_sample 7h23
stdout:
6h47
